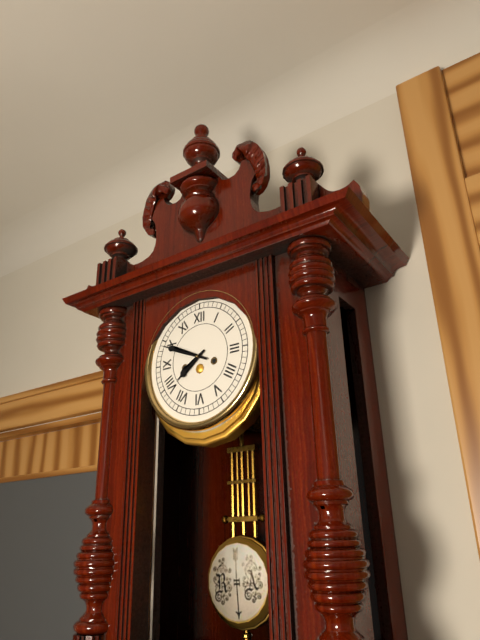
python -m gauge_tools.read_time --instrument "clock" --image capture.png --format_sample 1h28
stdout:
7h49
